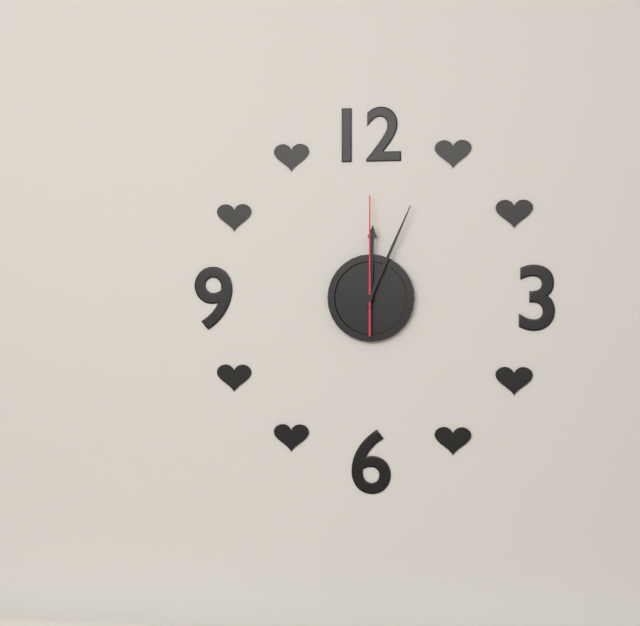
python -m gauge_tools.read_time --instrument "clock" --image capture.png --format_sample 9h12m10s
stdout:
12h04m00s
